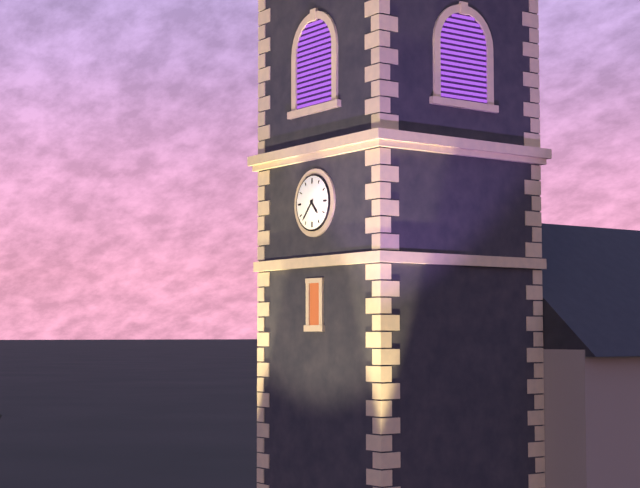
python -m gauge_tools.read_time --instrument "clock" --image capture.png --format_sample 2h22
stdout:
4h37
